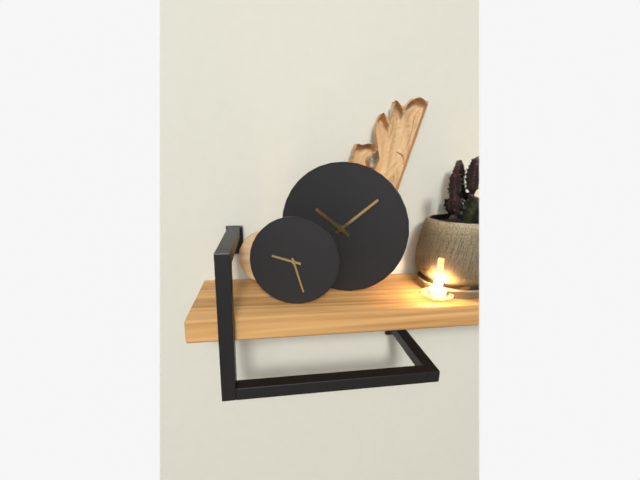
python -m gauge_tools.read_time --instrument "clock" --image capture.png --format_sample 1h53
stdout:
9h27
